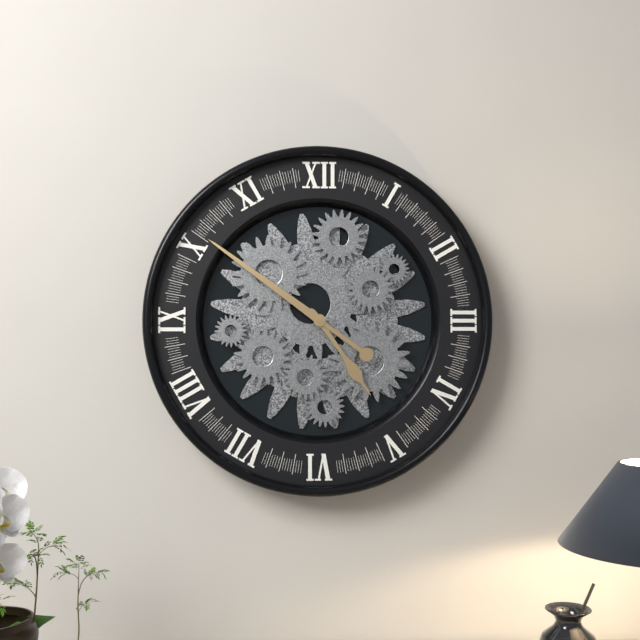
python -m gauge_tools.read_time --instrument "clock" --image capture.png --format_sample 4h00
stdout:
4h51
